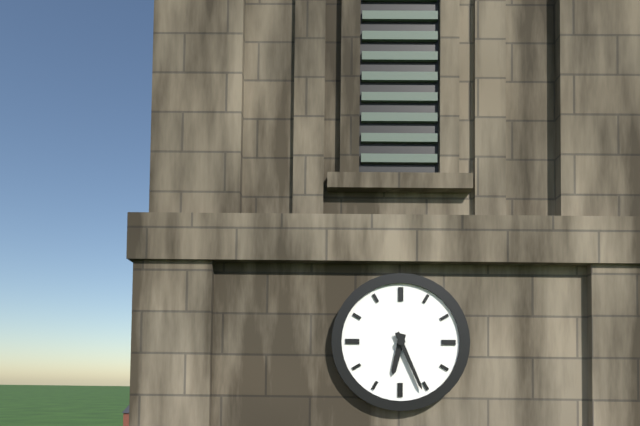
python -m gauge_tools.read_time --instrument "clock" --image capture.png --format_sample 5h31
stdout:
6h26
